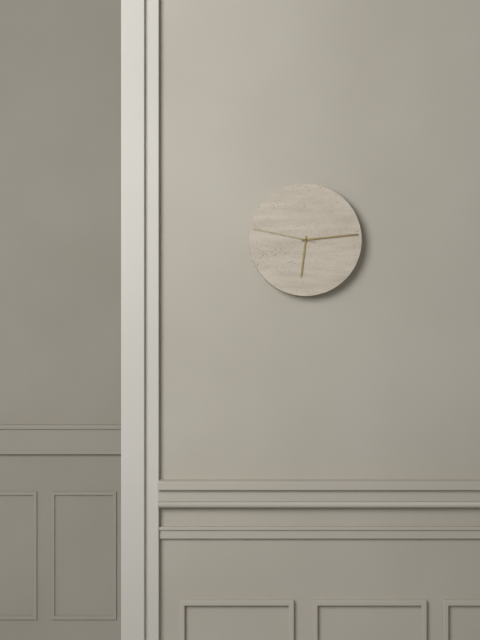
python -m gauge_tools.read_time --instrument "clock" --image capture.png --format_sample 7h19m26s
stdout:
6h14m47s
